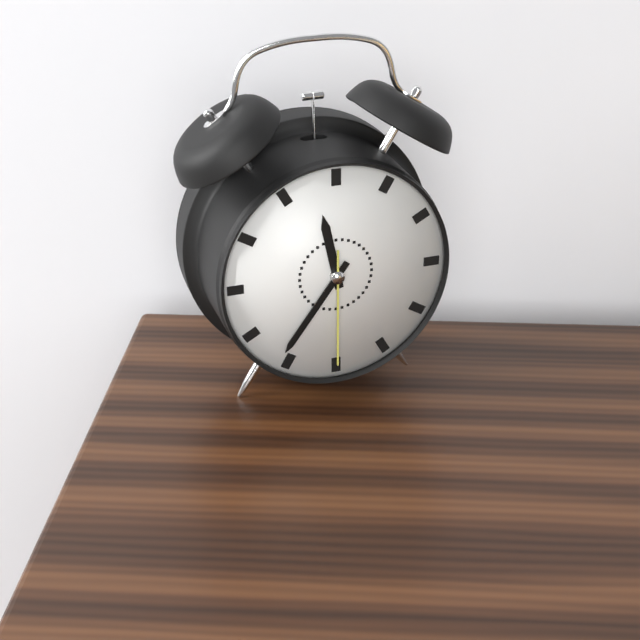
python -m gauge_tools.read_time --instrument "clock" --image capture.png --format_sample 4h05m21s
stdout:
11h36m30s
